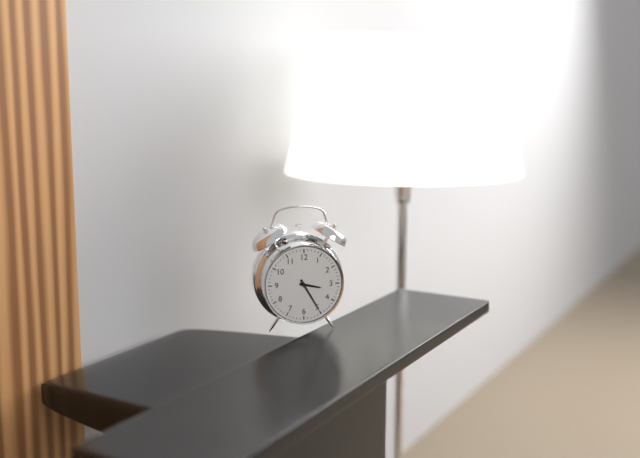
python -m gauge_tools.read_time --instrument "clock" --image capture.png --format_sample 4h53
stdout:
3h25
